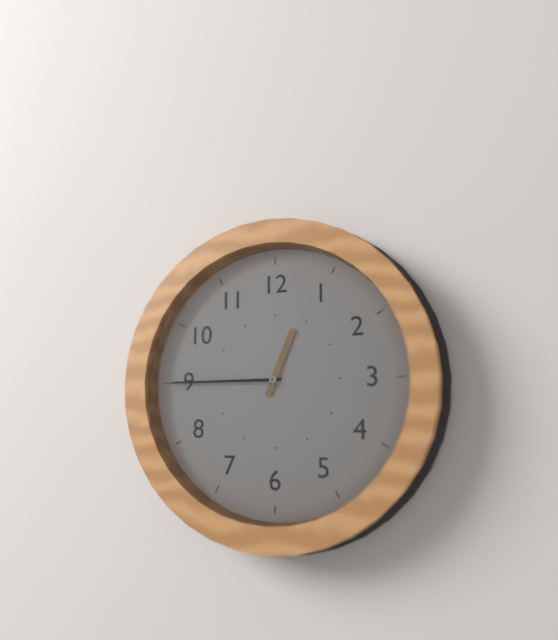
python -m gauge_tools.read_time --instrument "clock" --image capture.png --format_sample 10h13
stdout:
12h45
